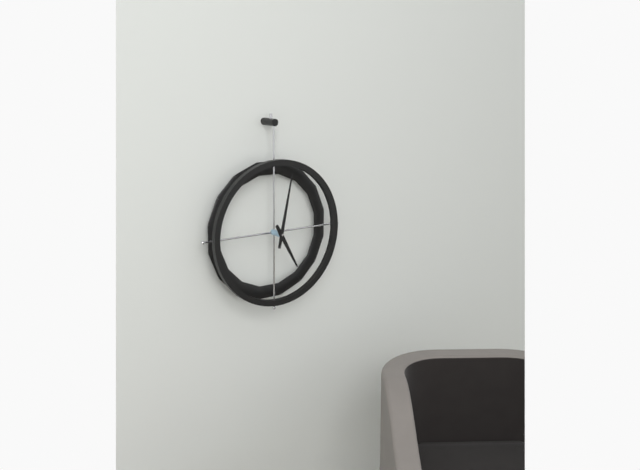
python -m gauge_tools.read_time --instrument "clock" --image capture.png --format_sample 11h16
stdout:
5h02
